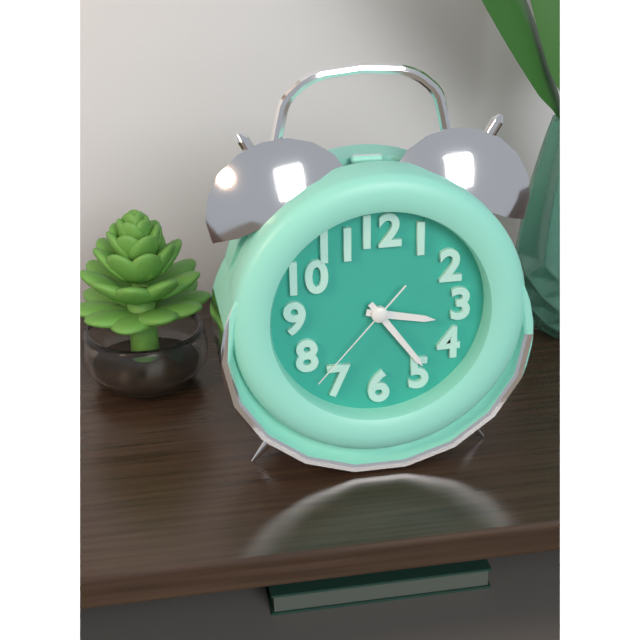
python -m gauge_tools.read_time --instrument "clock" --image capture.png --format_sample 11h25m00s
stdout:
3h24m37s
